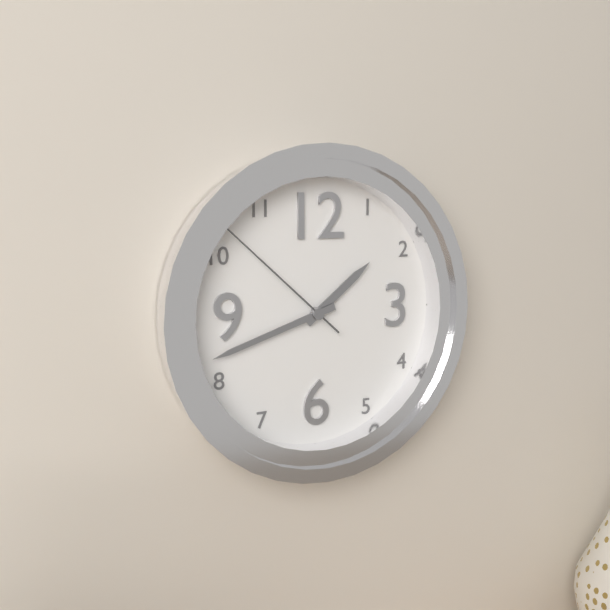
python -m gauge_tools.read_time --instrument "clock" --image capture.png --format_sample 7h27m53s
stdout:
1h42m52s
